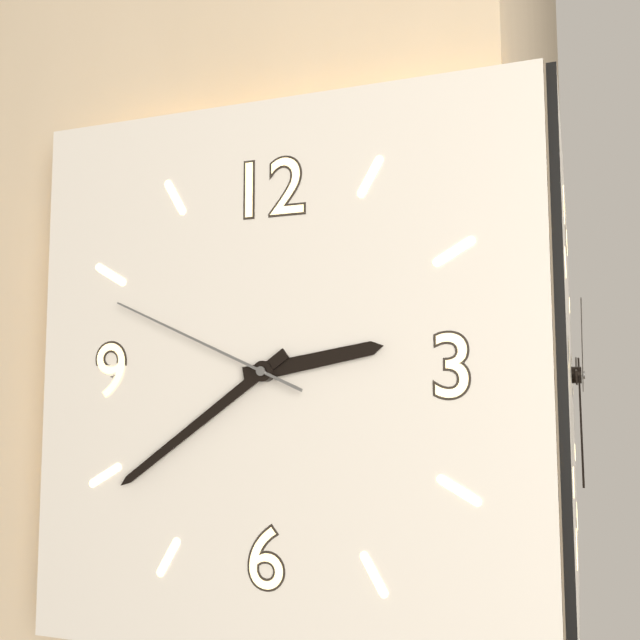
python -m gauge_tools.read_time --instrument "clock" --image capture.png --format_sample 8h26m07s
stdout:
2h39m49s
